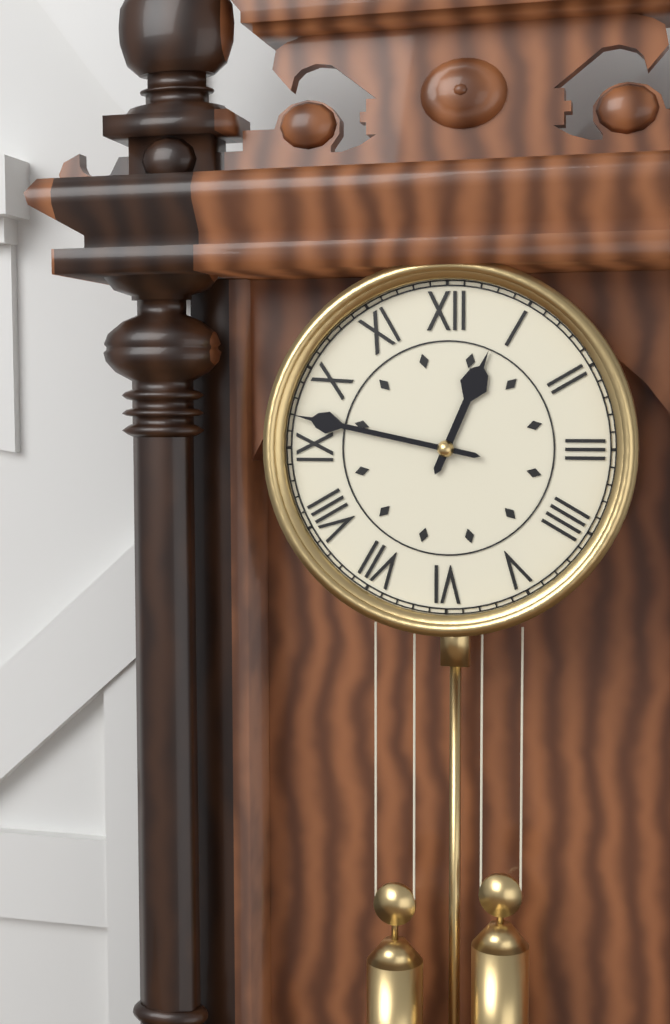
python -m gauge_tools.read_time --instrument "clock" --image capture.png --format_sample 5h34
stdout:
12h47
